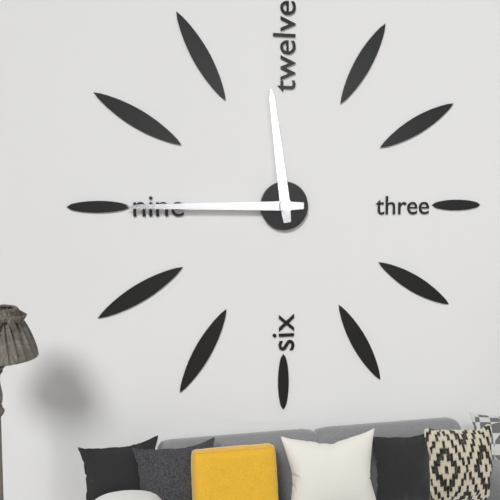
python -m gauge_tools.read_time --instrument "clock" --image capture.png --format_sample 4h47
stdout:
11h45
